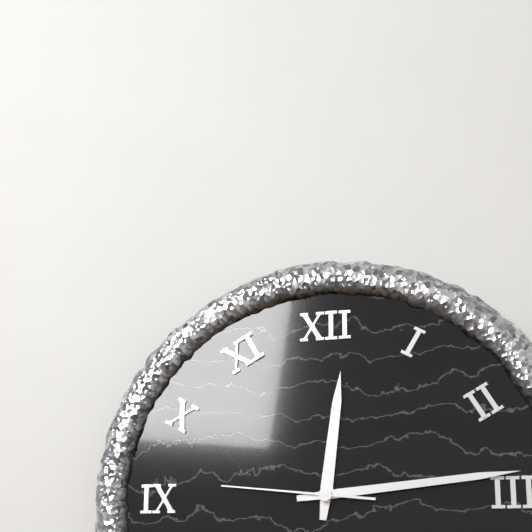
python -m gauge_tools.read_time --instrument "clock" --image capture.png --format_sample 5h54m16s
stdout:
12h14m46s
